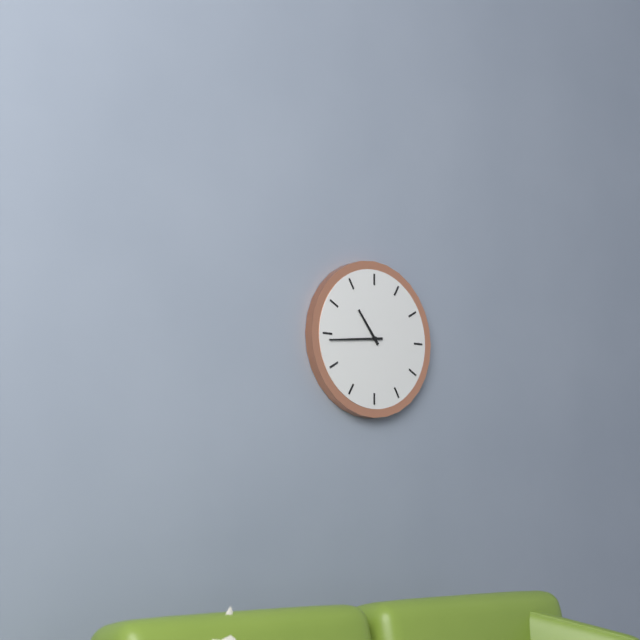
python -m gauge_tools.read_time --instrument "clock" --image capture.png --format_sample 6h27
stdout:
10h44
